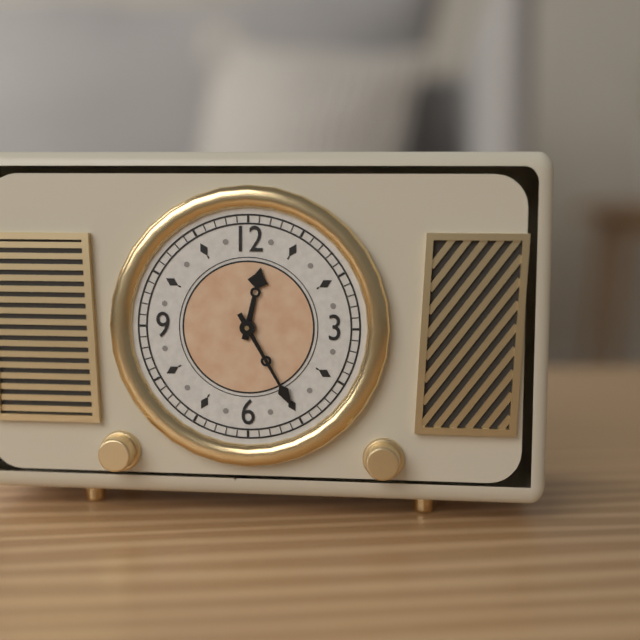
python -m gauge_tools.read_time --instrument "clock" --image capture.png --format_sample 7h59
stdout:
12h25
